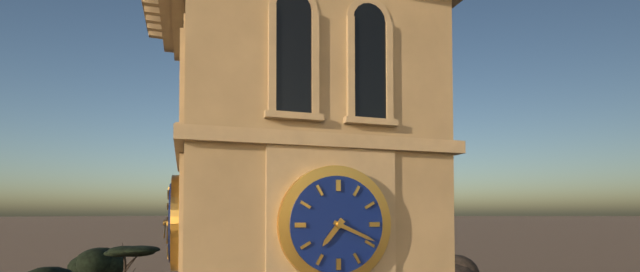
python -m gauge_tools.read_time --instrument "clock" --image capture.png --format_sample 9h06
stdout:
7h19
